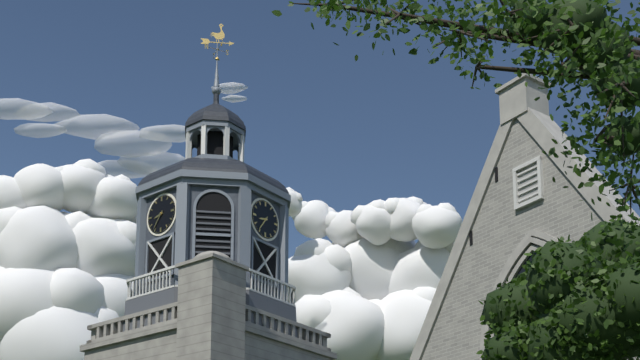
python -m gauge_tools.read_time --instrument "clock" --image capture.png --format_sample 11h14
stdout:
8h36
